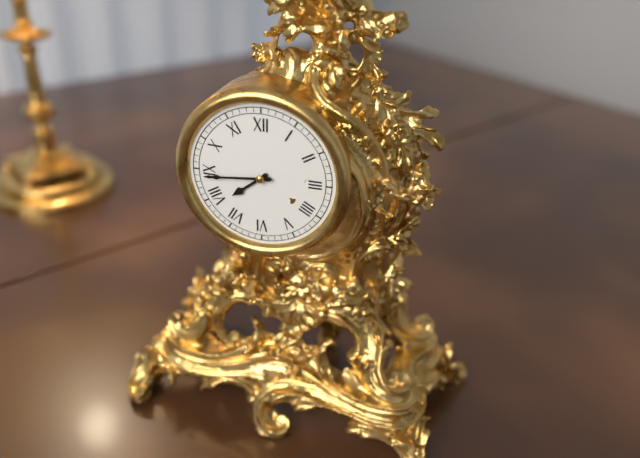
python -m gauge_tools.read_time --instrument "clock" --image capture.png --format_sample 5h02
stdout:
7h44
